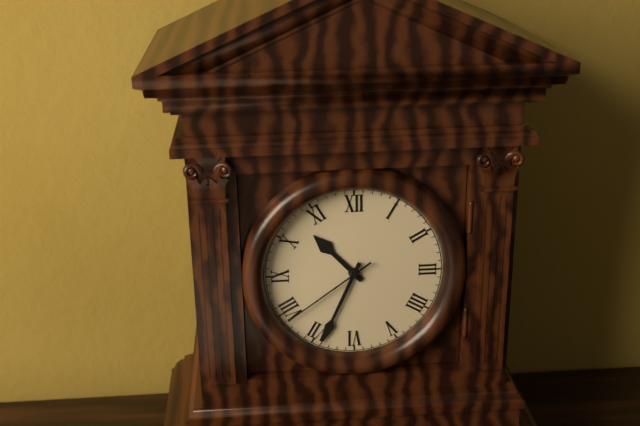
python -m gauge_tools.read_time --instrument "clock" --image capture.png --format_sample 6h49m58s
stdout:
10h34m39s
